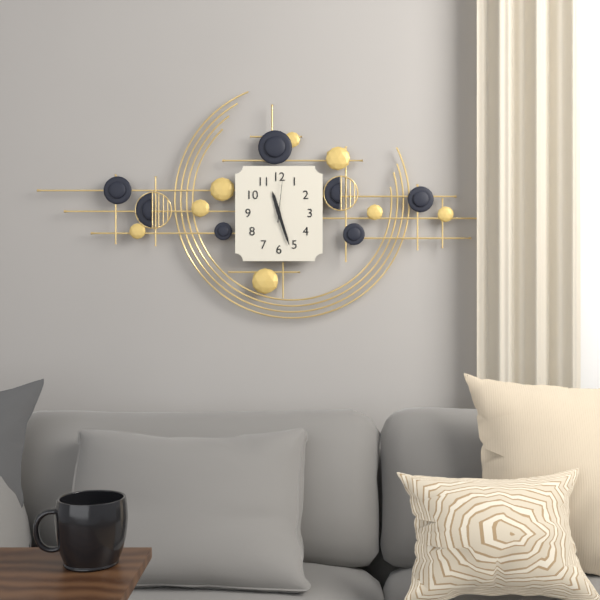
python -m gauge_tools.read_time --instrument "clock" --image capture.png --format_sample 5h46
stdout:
11h27
